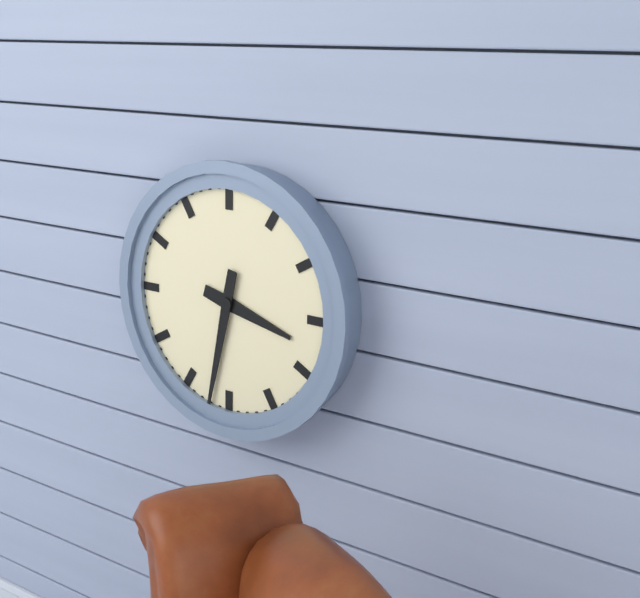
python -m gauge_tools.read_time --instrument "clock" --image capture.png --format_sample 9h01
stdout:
3h32
